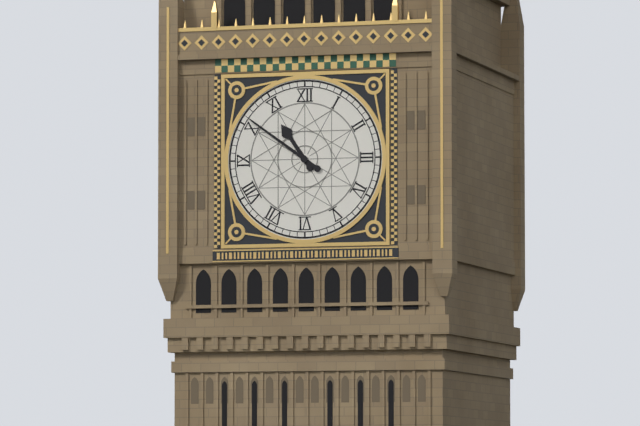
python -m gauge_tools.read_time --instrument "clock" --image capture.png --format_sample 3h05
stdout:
10h51
